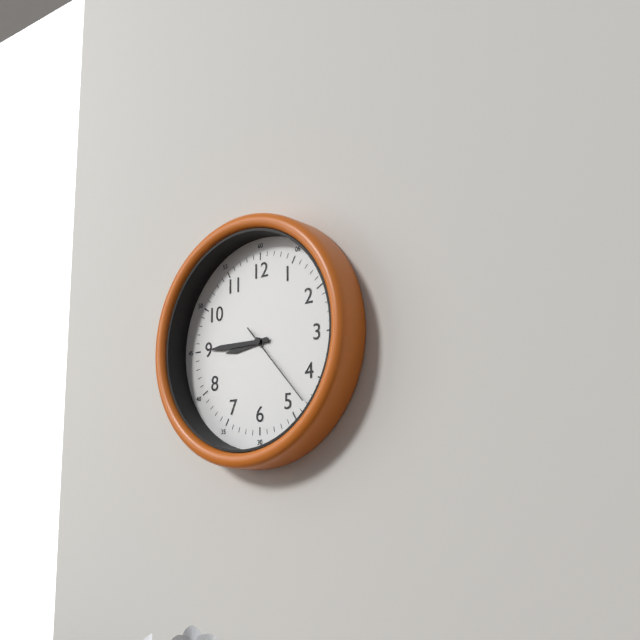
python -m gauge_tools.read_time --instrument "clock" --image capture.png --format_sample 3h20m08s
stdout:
8h45m23s
